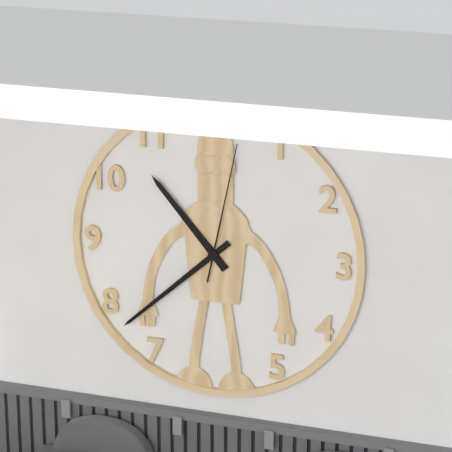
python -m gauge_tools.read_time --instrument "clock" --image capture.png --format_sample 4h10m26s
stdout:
10h38m02s
